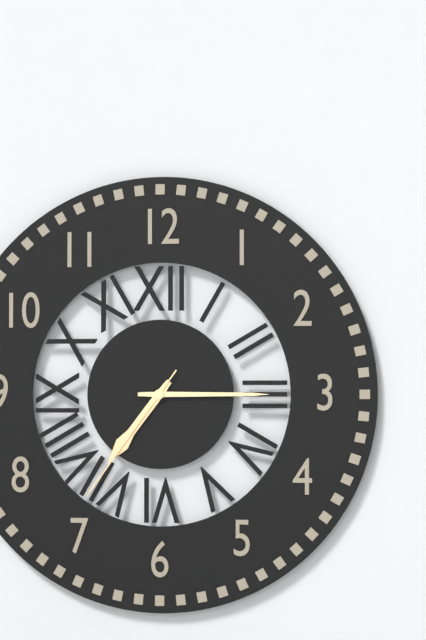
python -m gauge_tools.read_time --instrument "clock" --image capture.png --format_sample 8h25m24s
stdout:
7h15m36s
